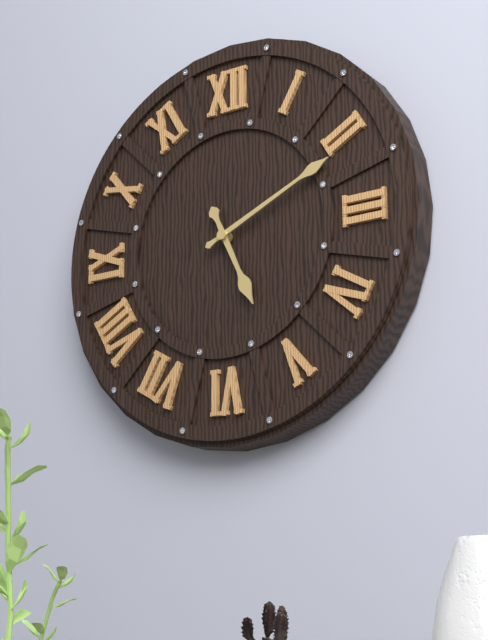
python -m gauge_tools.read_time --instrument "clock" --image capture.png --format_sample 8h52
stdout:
5h11
